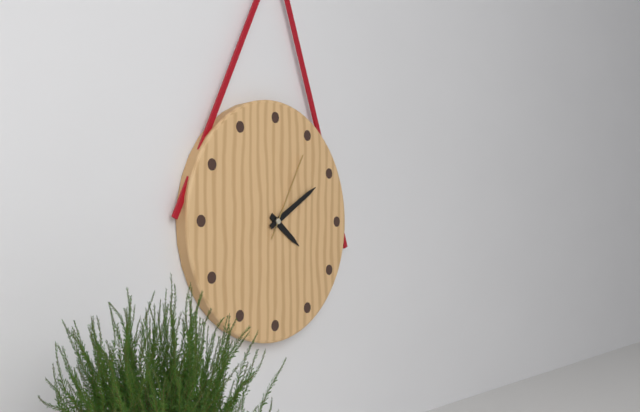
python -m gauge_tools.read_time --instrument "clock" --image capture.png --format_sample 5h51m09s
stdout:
4h10m05s
